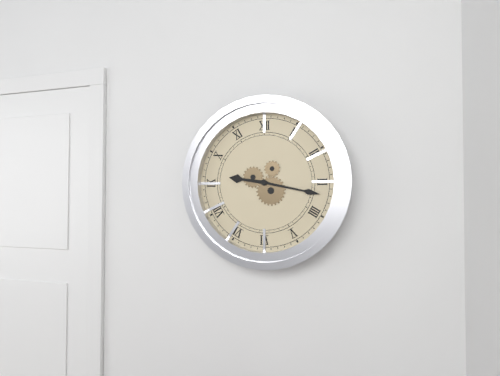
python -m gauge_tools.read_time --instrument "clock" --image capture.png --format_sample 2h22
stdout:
9h17
